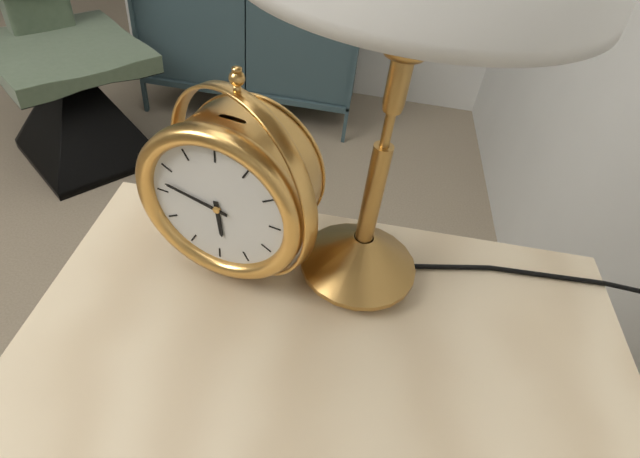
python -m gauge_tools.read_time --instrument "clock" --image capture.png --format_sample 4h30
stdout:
5h47
